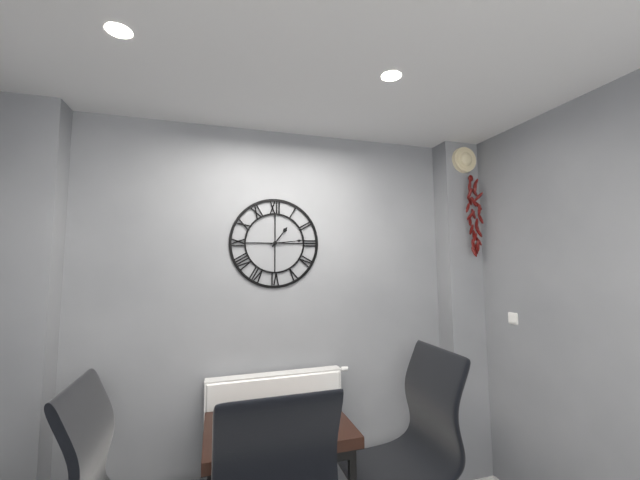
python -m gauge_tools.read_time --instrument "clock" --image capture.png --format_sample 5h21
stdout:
1h14
